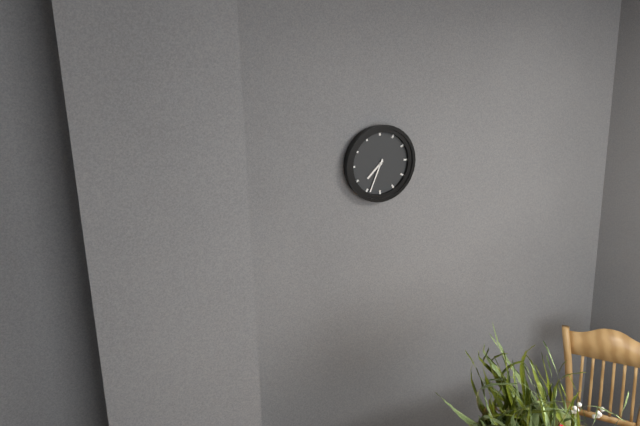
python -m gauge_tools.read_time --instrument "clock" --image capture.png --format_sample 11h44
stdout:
7h34
